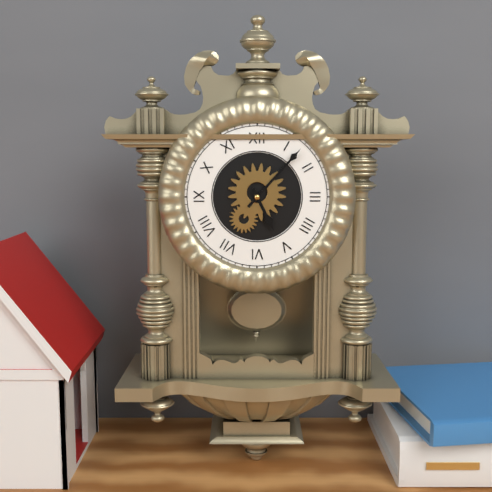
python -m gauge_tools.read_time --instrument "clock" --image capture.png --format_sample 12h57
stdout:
5h07
